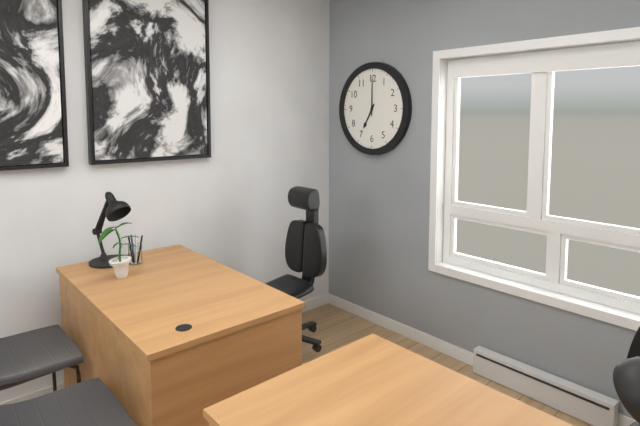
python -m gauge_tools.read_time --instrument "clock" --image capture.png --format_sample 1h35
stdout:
7h00
